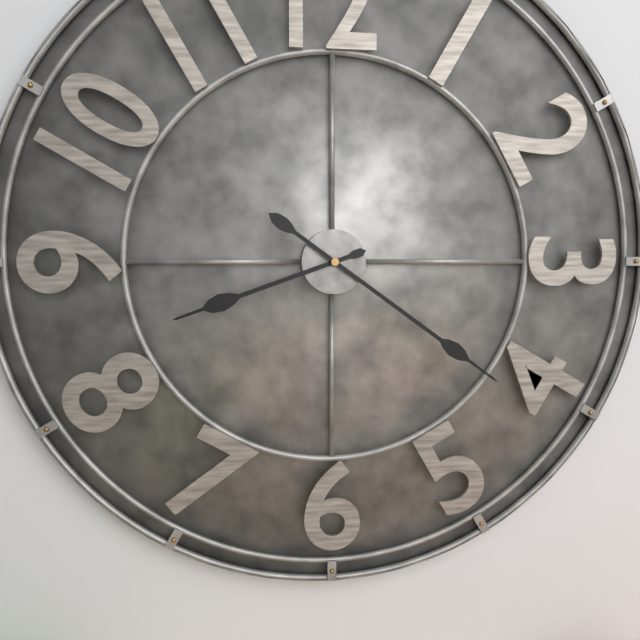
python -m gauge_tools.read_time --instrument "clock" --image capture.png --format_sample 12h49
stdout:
8h21
